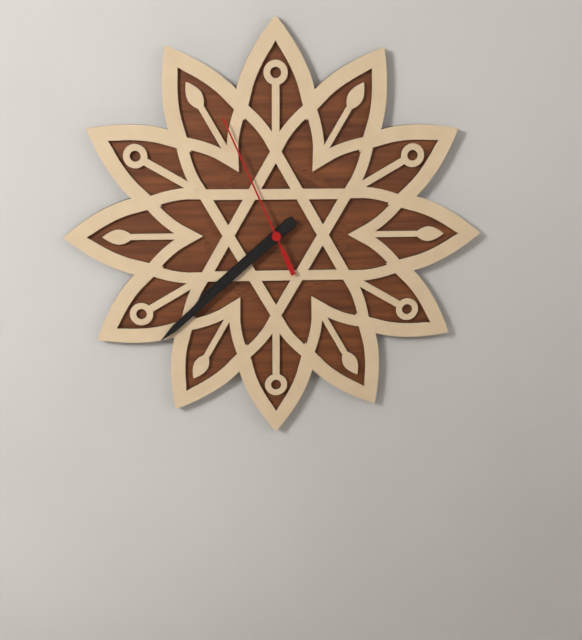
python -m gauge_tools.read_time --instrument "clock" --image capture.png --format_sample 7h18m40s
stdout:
7h38m56s
